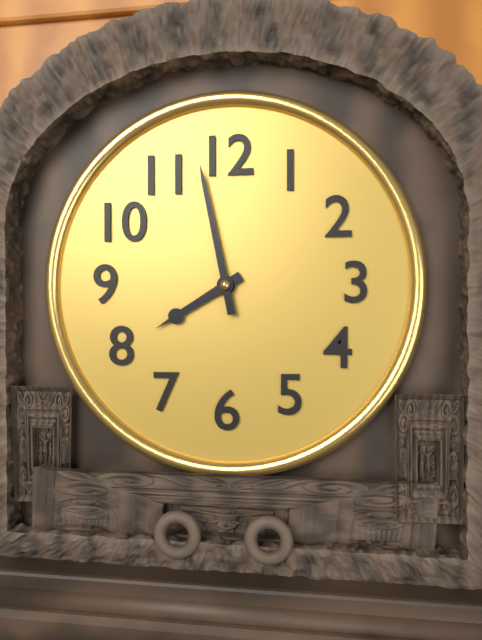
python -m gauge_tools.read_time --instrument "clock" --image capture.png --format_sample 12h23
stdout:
7h58
